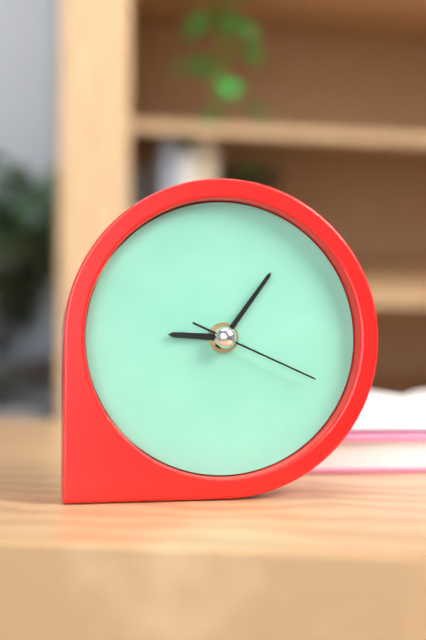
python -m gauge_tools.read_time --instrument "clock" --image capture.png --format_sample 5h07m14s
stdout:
9h06m19s
